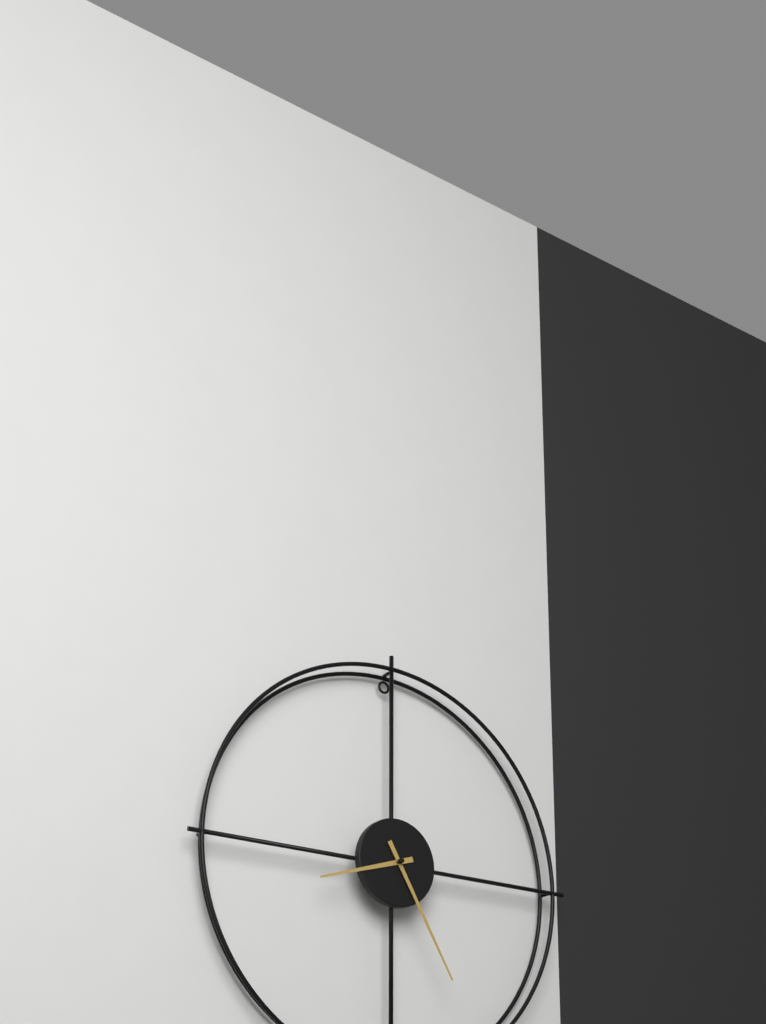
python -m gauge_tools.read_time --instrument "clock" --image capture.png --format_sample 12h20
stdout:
8h25
